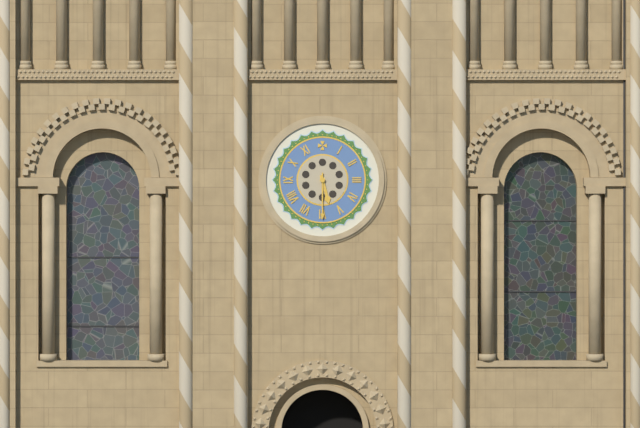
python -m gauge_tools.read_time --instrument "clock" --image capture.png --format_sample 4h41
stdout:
5h30
